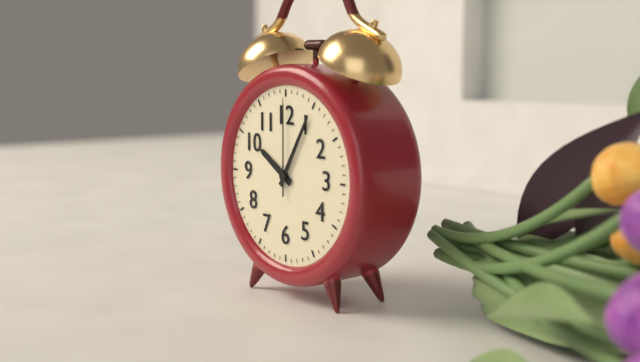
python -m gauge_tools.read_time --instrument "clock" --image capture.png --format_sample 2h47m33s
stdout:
10h05m00s
